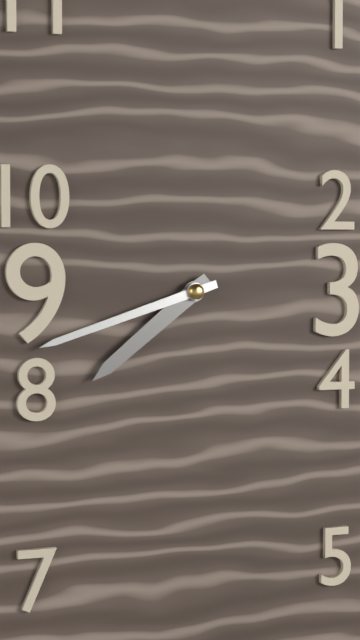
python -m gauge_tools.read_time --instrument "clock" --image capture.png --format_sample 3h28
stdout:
7h42
